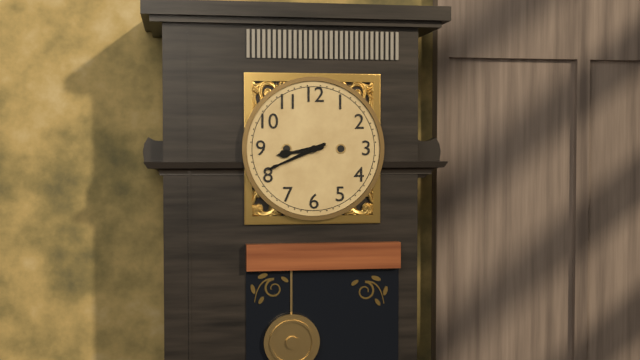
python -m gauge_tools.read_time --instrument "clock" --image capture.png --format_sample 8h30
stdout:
8h41
